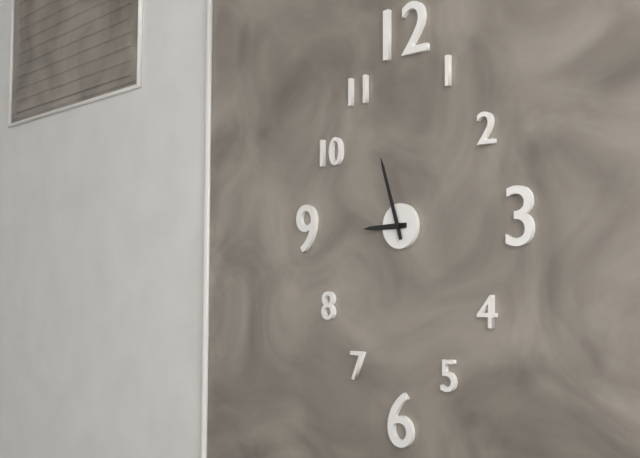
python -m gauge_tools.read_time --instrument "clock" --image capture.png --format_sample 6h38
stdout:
8h57
